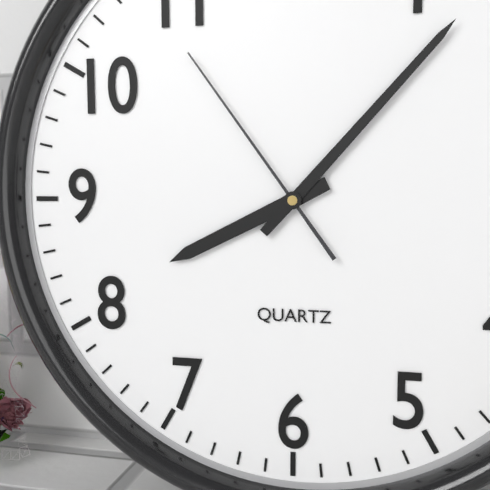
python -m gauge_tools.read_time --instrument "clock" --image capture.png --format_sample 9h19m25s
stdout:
8h07m54s
